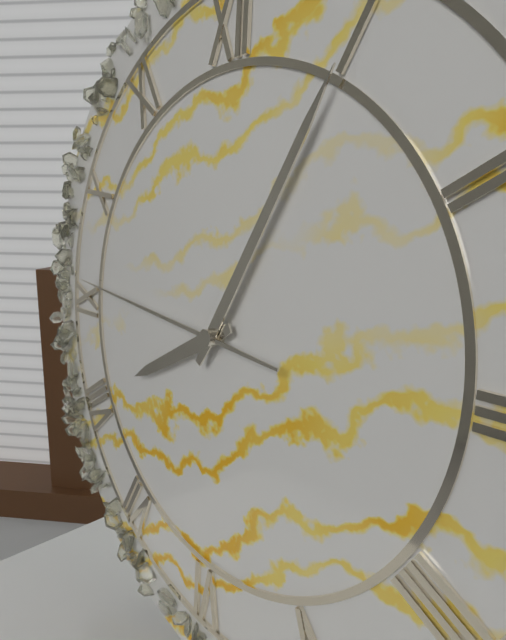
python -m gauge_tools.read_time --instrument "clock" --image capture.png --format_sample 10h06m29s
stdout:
8h05m46s
